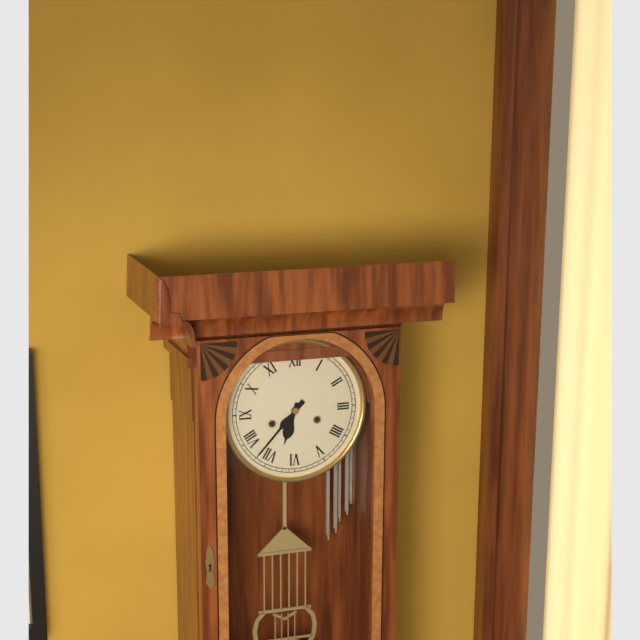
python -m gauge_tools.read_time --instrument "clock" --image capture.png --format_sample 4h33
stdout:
6h37
